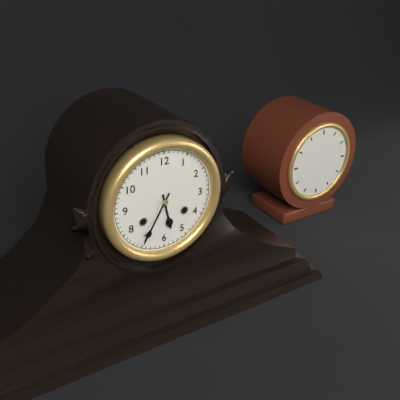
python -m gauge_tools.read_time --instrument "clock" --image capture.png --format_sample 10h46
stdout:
5h35
